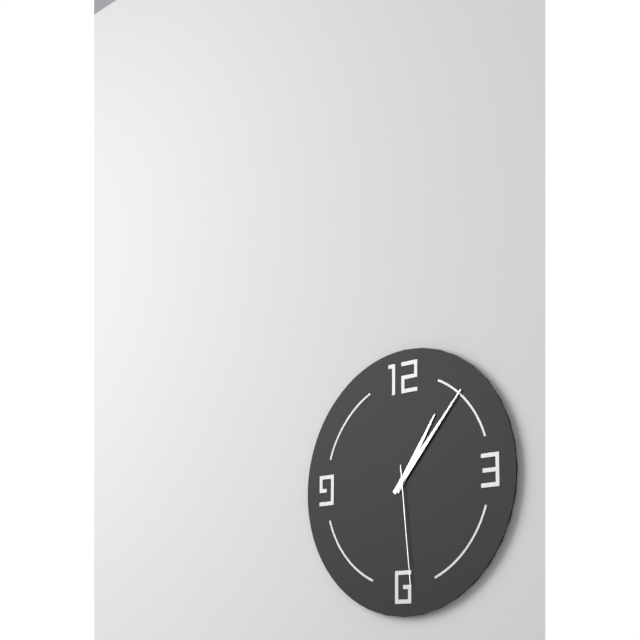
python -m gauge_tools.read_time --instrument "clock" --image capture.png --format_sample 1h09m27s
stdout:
1h07m29s
